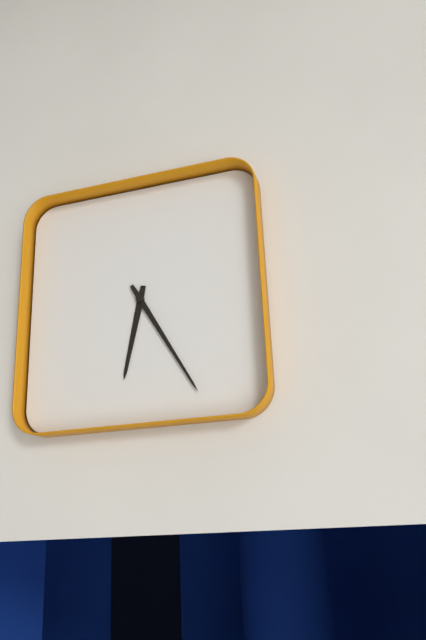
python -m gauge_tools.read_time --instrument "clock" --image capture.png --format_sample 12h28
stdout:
6h25
